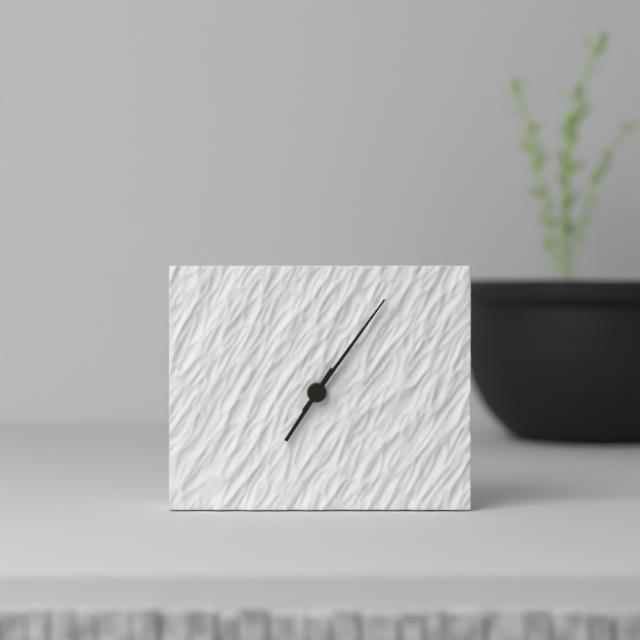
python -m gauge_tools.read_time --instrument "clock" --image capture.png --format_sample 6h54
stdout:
7h06
